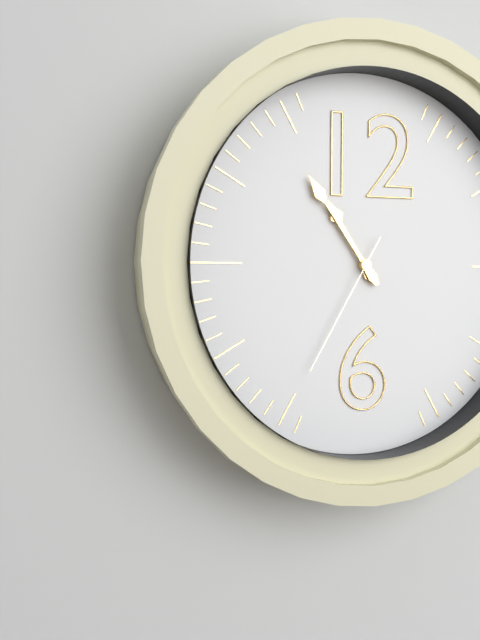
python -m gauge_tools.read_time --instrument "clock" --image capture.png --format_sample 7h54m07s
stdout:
10h54m35s
